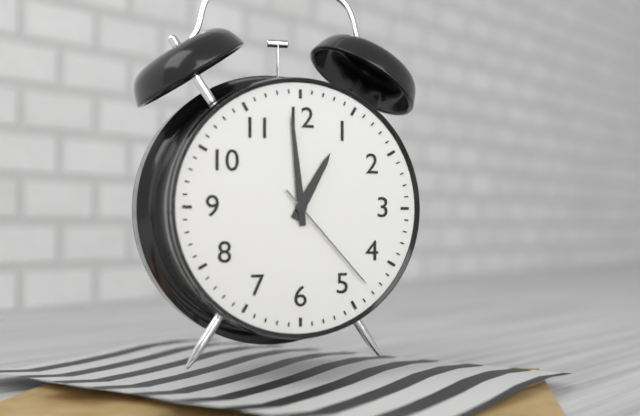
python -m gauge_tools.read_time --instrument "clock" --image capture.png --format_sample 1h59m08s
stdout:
12h59m23s
